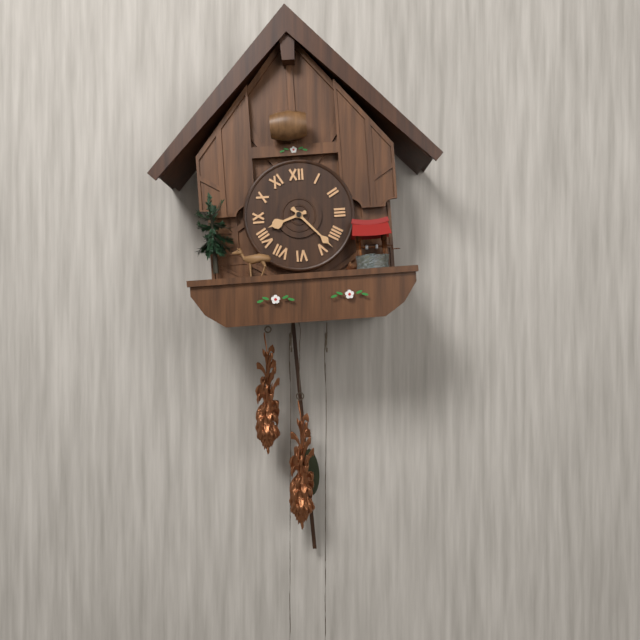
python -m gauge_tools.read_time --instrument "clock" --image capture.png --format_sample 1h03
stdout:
8h23
